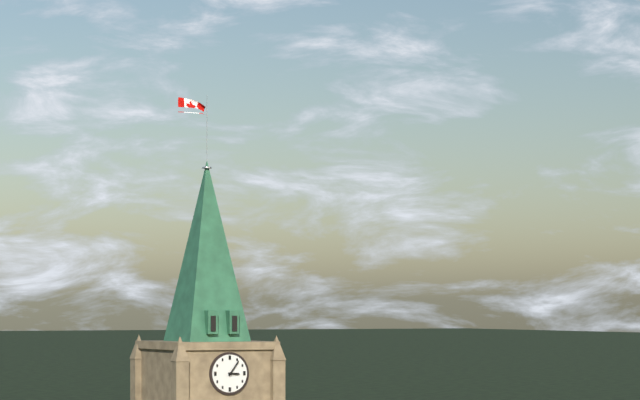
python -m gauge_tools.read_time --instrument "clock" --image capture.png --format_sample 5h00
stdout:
3h06
